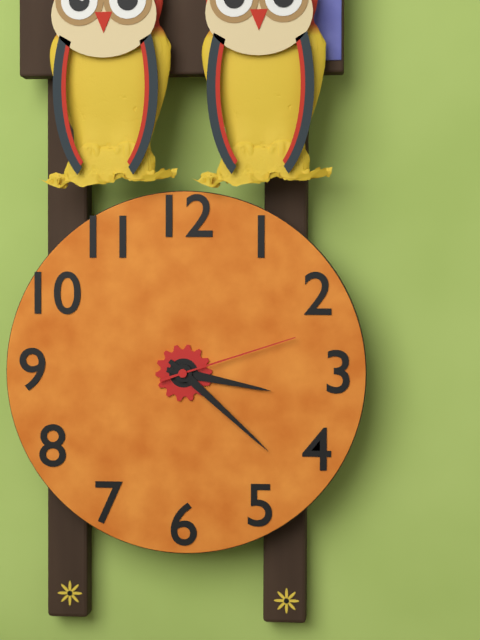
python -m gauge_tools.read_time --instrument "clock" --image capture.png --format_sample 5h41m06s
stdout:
3h22m12s
